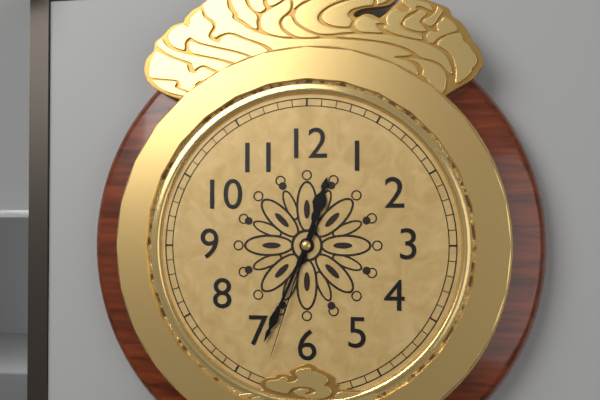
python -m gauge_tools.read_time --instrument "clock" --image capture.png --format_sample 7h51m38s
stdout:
12h34m33s
